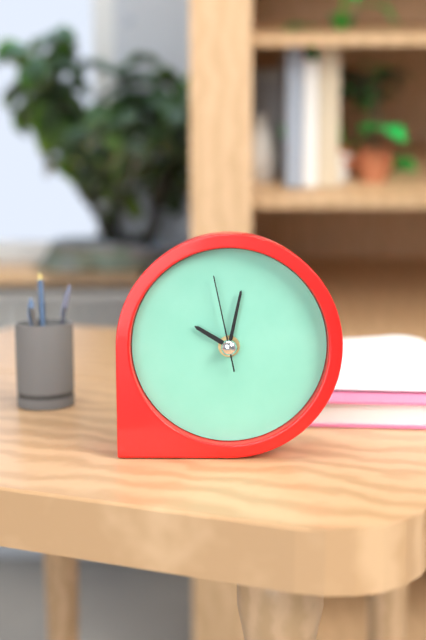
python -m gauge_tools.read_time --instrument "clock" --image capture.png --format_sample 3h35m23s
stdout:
10h02m58s
